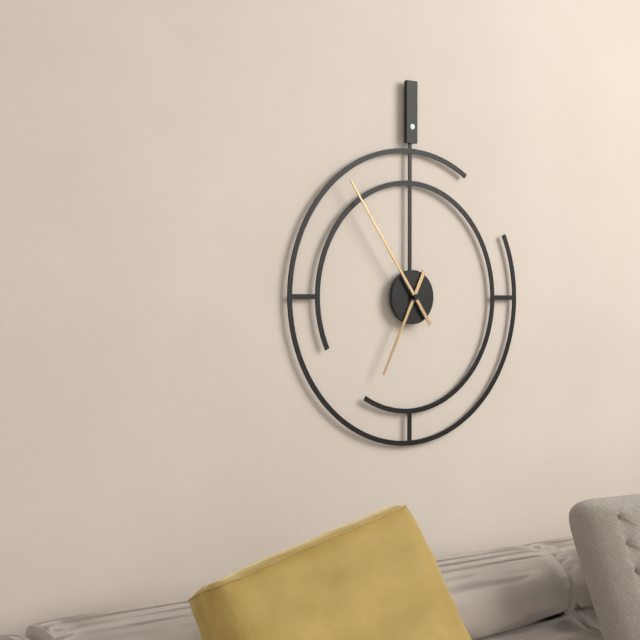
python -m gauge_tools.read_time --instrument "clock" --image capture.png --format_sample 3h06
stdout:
6h54
